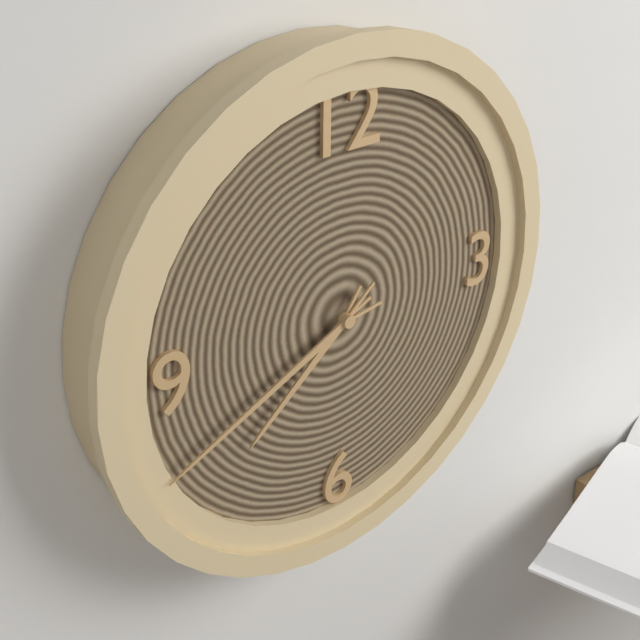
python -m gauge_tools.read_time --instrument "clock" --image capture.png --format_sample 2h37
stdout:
7h41
